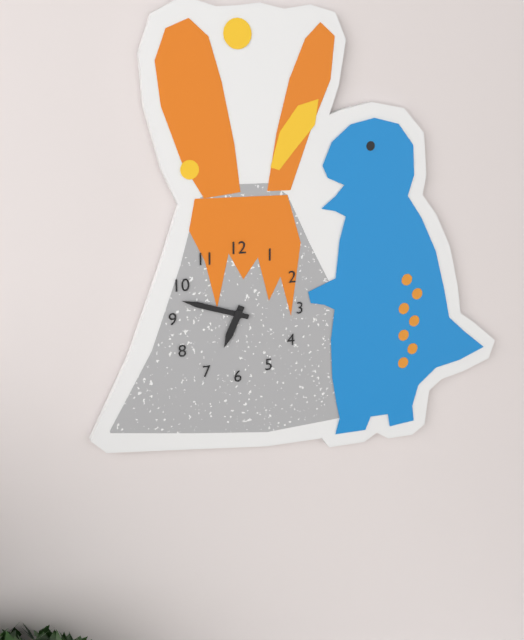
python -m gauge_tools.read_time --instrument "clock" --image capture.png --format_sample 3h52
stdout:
6h48
